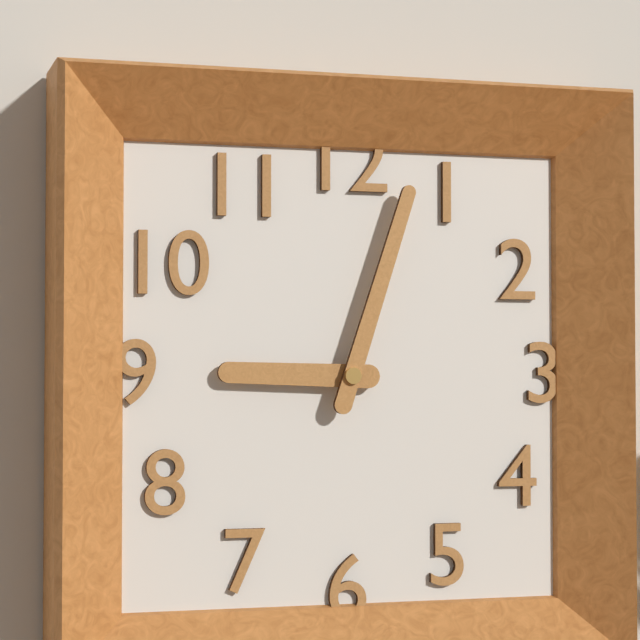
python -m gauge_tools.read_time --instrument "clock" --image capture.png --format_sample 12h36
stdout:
9h03
